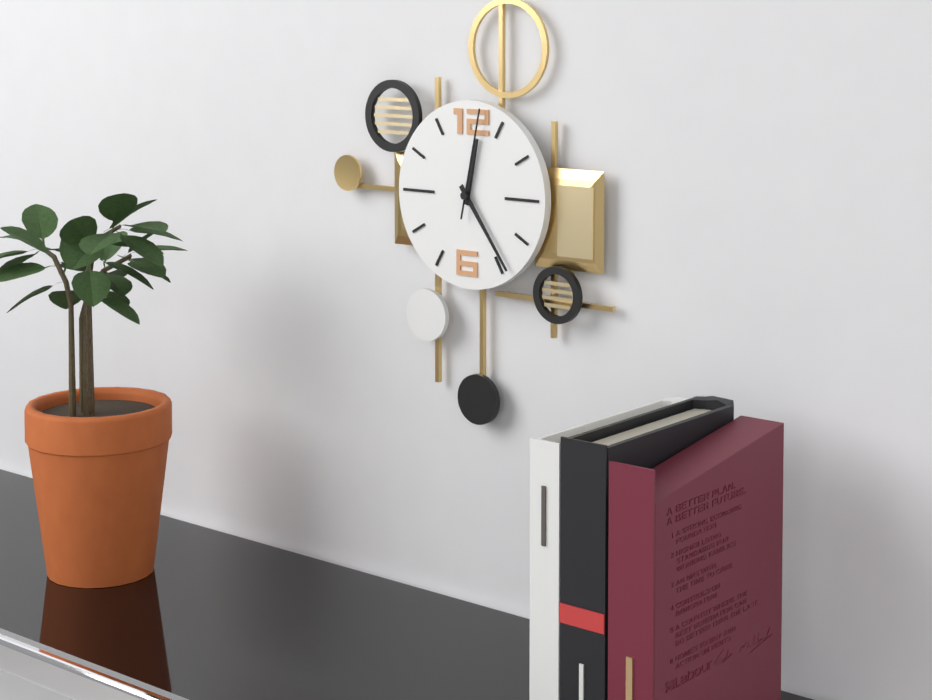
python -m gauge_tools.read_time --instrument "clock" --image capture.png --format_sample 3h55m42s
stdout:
12h24m02s
